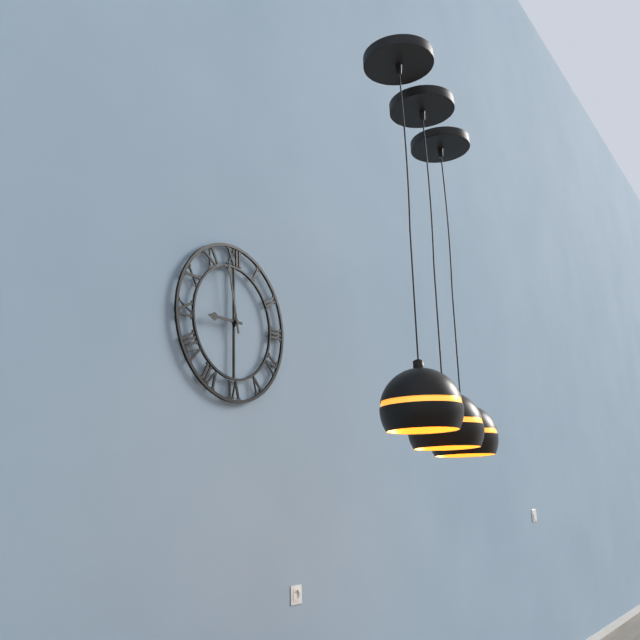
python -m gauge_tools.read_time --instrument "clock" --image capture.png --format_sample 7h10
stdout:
8h58
